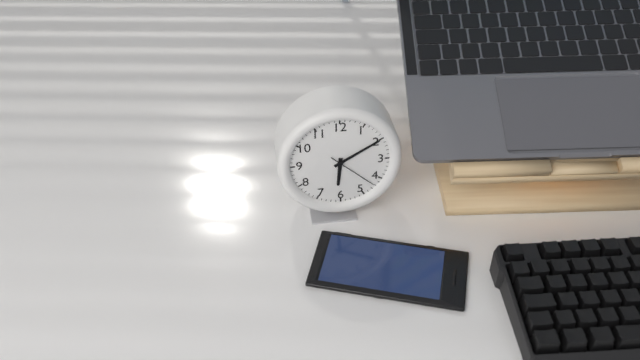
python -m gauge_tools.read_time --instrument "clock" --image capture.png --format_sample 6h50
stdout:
6h10
